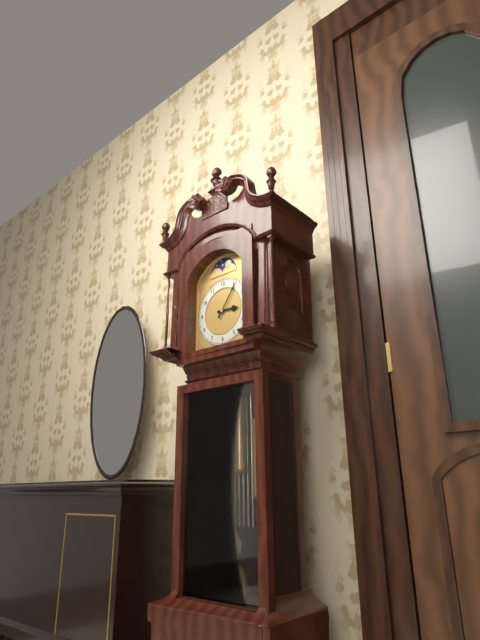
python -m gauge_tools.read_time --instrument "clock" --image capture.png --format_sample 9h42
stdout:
3h06
